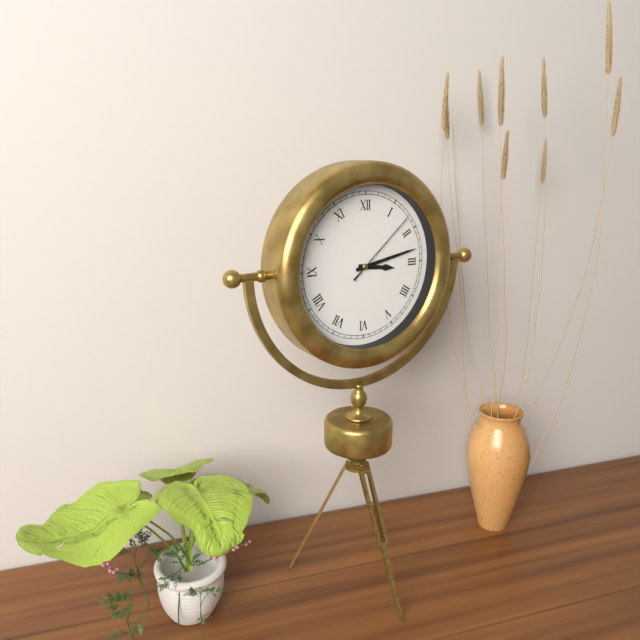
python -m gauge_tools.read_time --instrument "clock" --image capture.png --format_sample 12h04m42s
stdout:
3h13m08s
